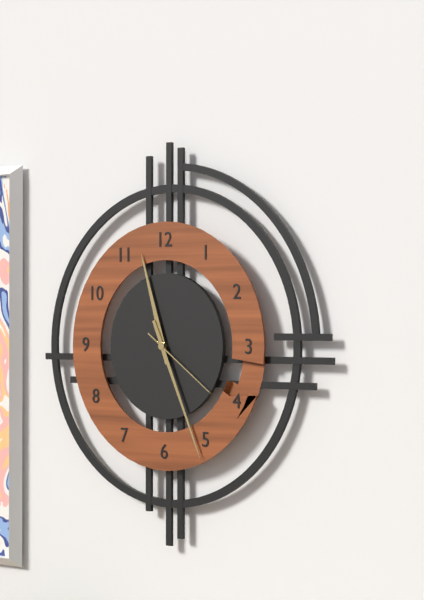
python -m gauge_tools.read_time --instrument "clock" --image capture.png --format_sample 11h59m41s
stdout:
11h26m21s
